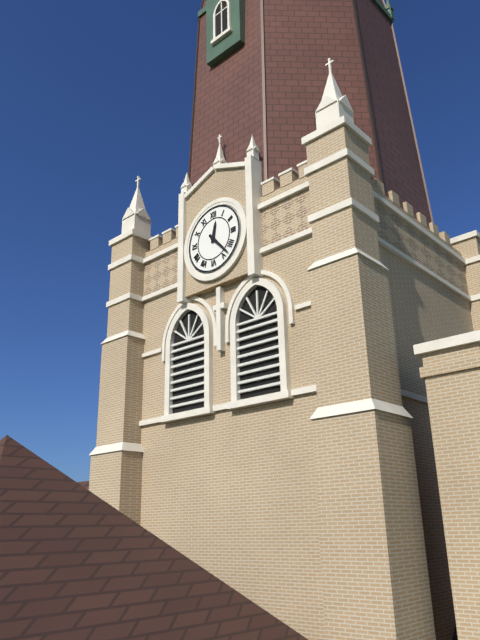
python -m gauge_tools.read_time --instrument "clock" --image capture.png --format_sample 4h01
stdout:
12h23
